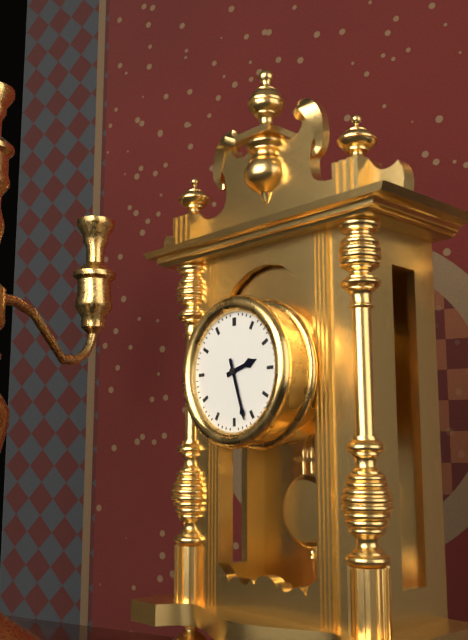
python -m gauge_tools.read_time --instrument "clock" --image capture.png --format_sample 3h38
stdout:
2h27
